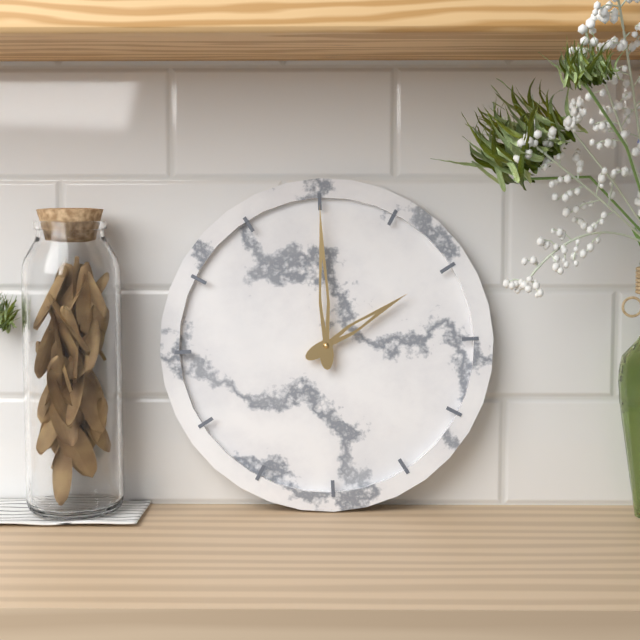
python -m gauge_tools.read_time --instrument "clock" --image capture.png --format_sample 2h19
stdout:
2h00
